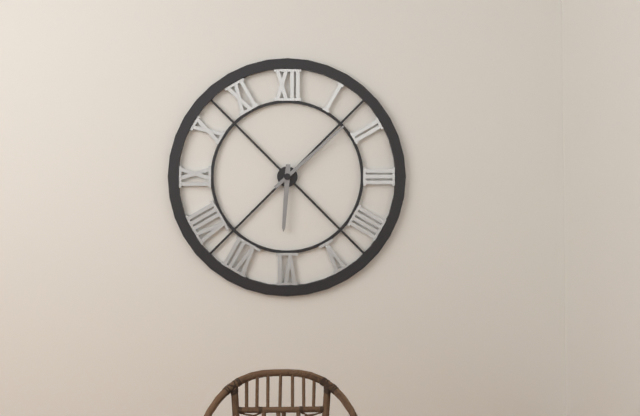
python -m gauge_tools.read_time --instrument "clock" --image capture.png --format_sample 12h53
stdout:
6h08
